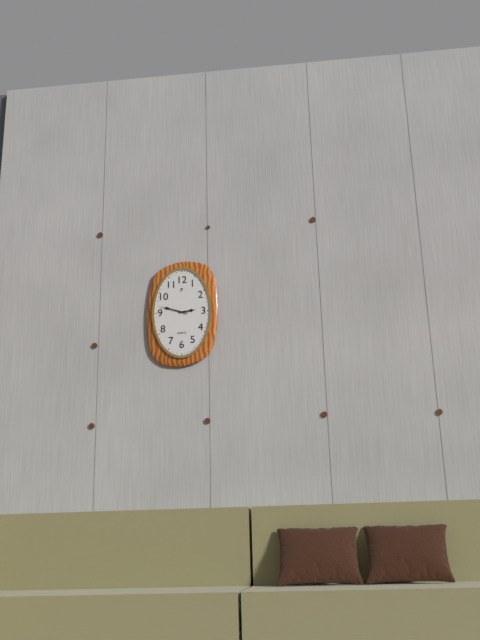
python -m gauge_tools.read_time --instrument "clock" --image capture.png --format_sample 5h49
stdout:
2h48
